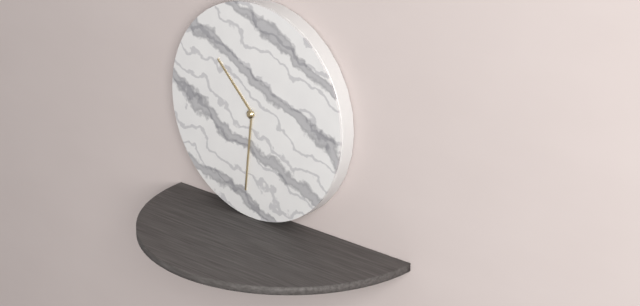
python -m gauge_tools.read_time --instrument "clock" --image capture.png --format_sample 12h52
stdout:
10h31
